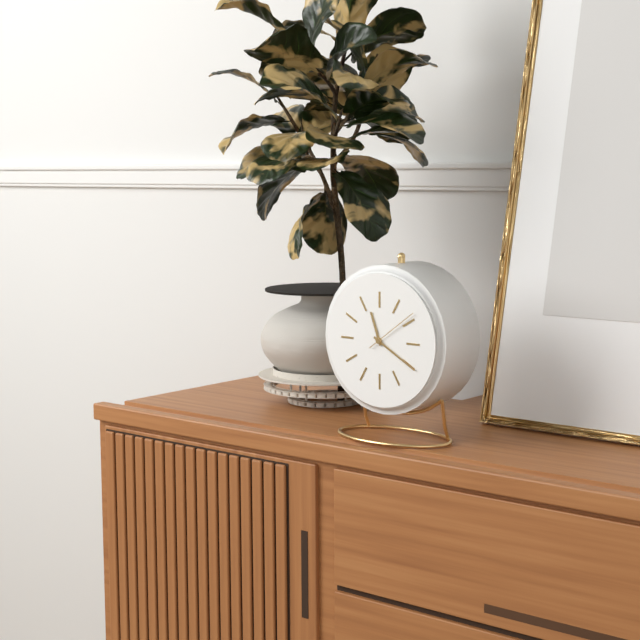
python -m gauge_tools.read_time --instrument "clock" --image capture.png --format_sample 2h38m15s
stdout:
11h20m09s
